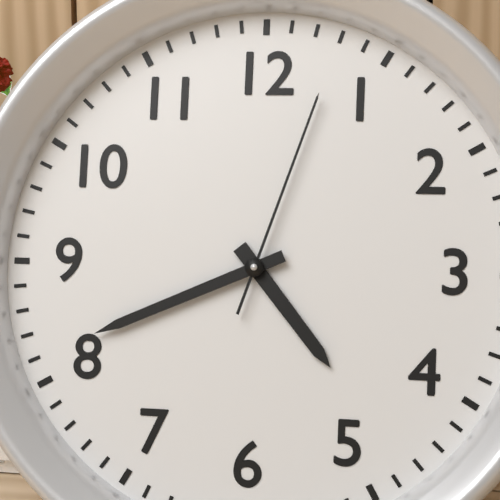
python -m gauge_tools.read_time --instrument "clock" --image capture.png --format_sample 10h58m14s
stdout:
4h41m03s
